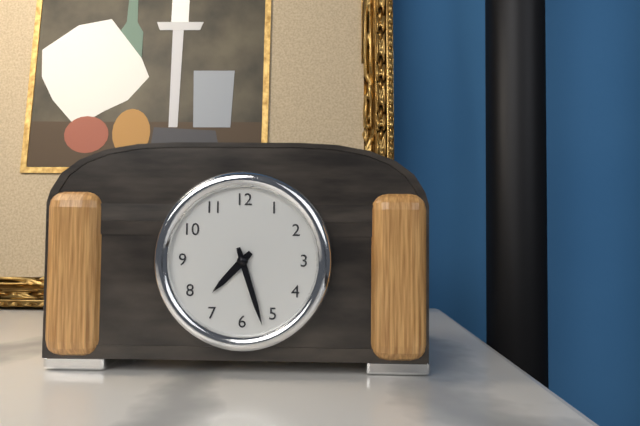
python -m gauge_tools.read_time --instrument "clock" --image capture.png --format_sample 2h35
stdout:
7h27
